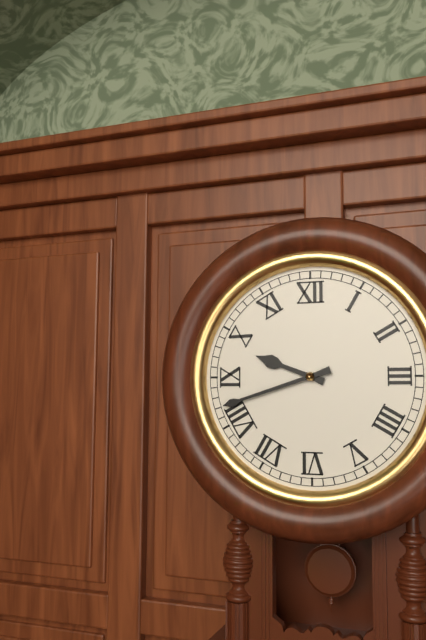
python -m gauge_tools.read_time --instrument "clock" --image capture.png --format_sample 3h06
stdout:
9h42
